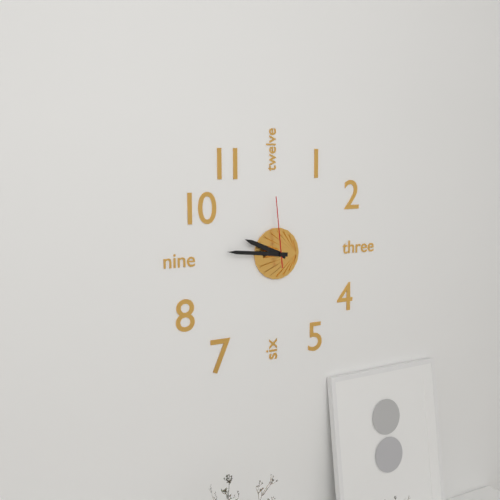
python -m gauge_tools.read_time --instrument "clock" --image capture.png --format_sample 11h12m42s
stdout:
9h46m59s
